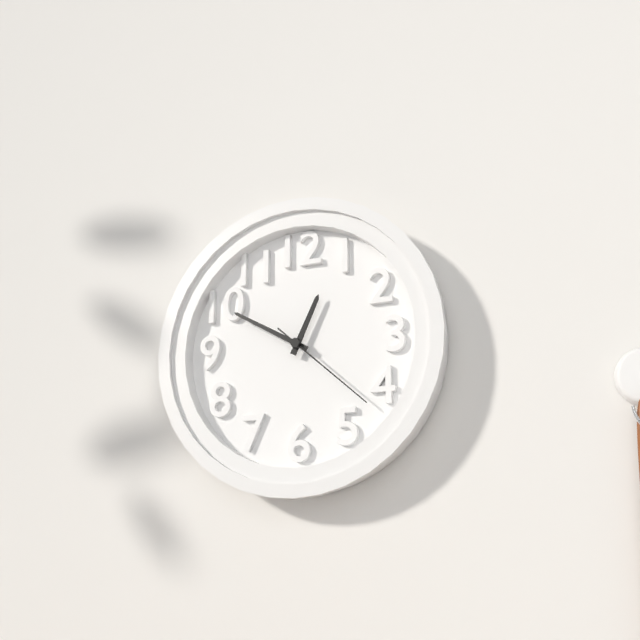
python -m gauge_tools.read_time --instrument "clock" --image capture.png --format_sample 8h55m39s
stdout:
12h50m22s
